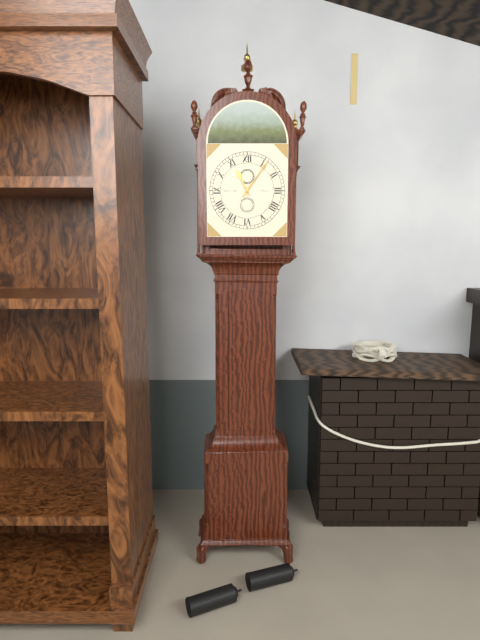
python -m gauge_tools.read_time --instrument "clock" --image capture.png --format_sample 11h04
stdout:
11h06
